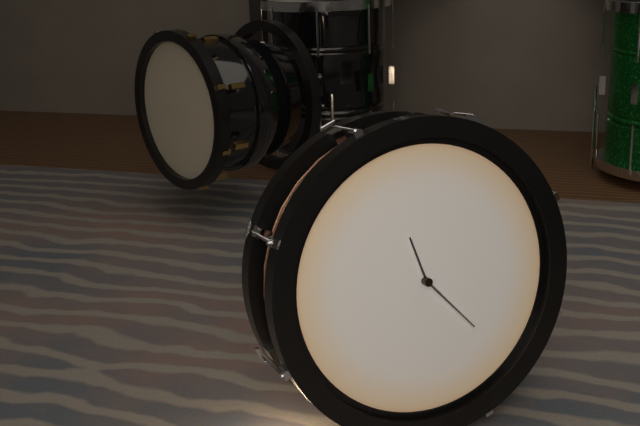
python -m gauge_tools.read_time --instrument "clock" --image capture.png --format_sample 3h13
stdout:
11h23
